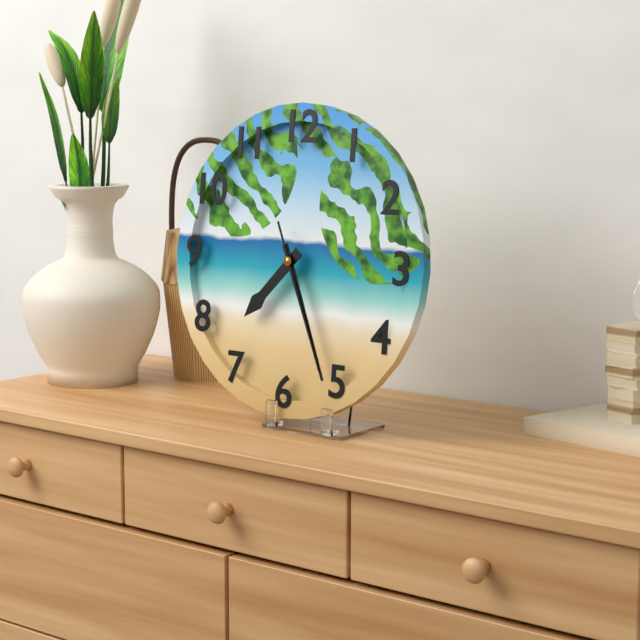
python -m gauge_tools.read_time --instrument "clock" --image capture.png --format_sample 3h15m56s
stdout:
7h26m26s
